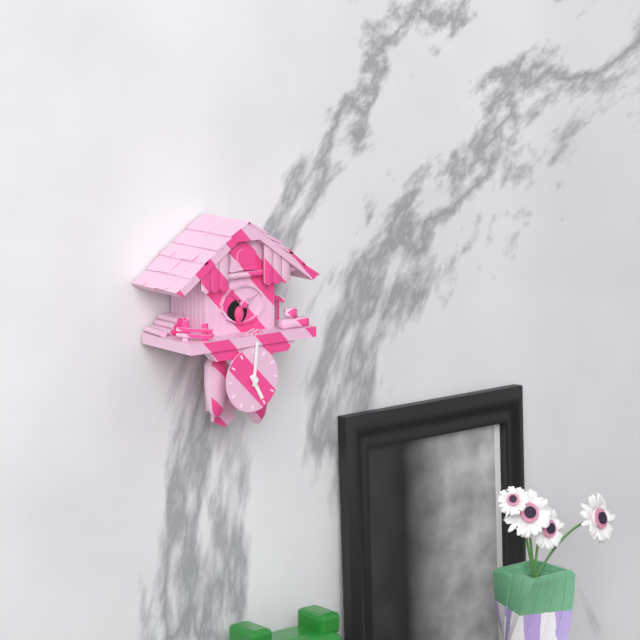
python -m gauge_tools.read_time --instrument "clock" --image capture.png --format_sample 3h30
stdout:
5h01
